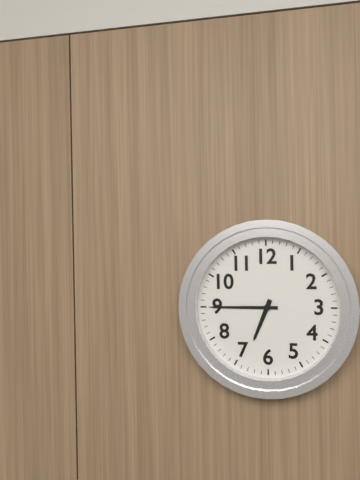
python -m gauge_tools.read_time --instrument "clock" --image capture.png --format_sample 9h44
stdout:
6h45
